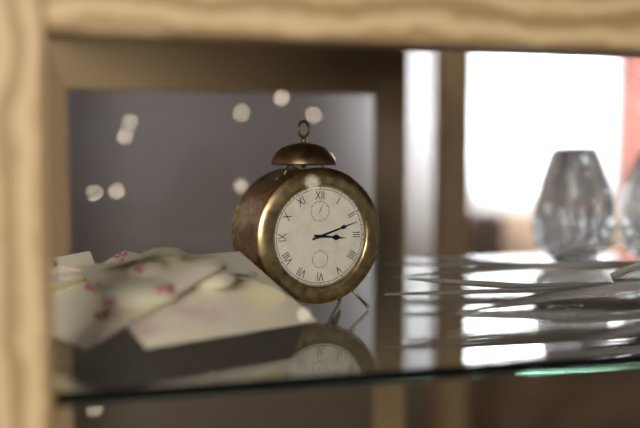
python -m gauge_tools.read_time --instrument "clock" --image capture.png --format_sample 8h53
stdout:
3h12
